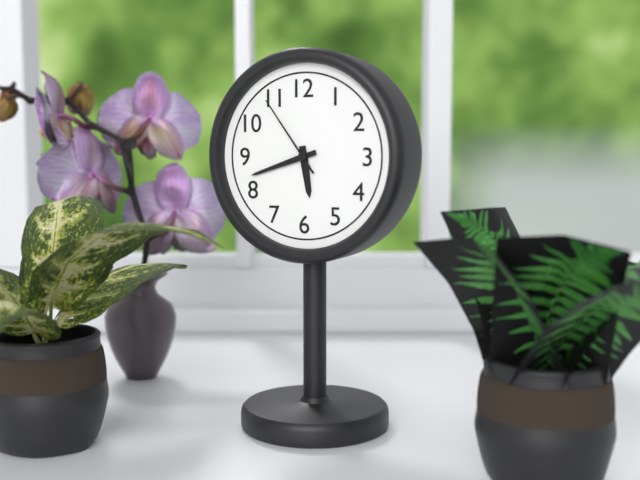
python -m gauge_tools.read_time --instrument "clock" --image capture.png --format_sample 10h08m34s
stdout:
5h42m54s
